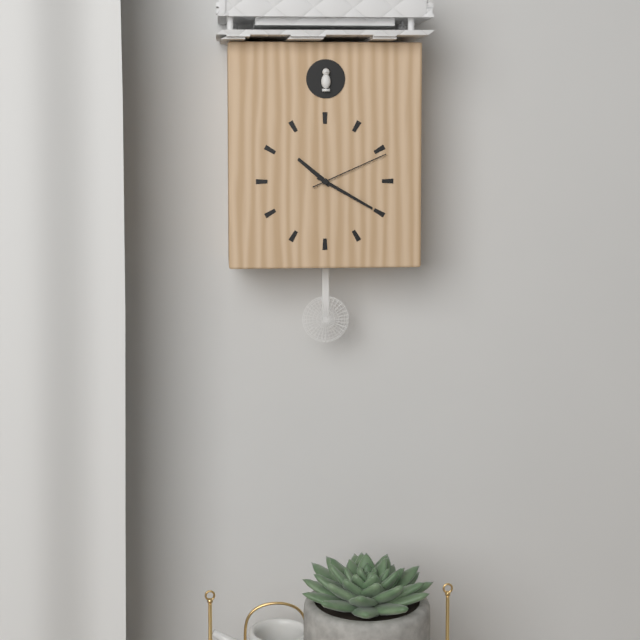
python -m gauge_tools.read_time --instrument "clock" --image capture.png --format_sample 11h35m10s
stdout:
10h20m11s
